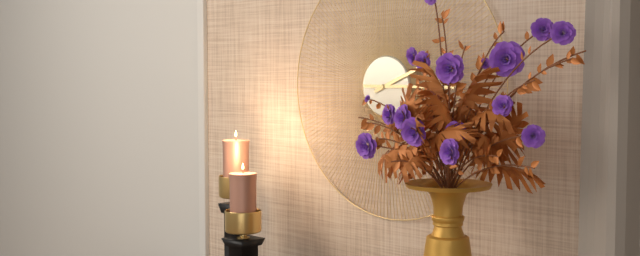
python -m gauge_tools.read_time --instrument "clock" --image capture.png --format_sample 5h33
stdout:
2h15
